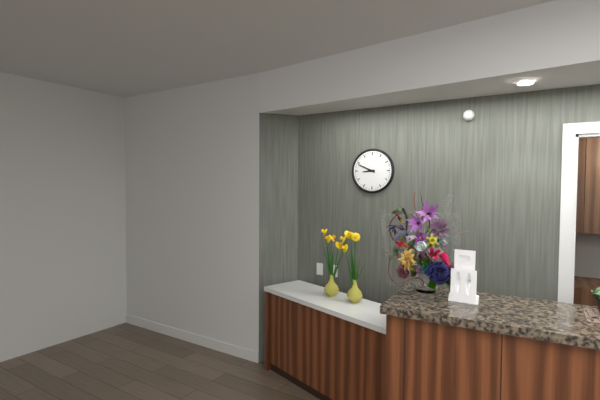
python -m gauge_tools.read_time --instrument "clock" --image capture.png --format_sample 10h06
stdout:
8h49
